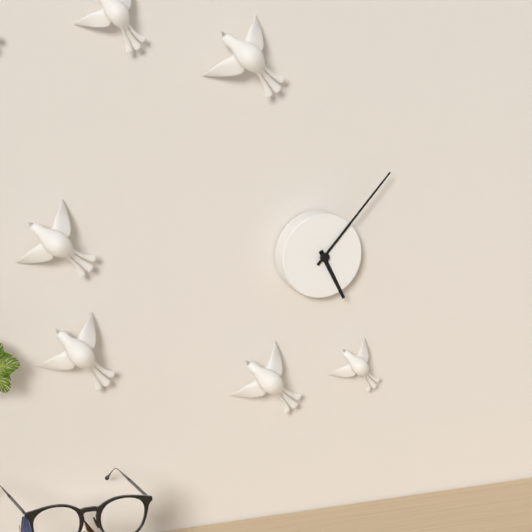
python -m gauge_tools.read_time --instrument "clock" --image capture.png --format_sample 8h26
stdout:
5h07
